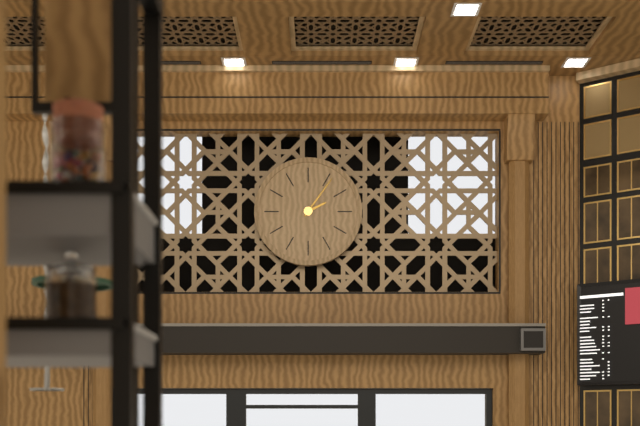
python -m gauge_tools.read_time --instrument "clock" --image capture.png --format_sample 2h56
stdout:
2h06
